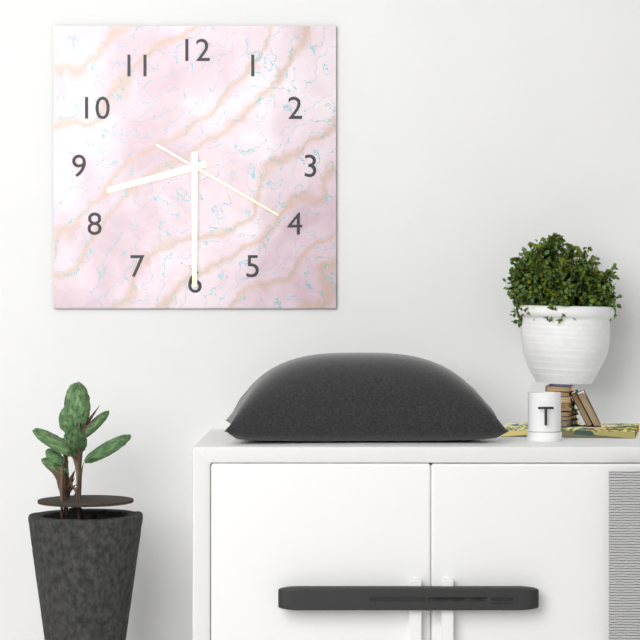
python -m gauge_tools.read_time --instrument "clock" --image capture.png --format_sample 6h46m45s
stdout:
8h30m20s
